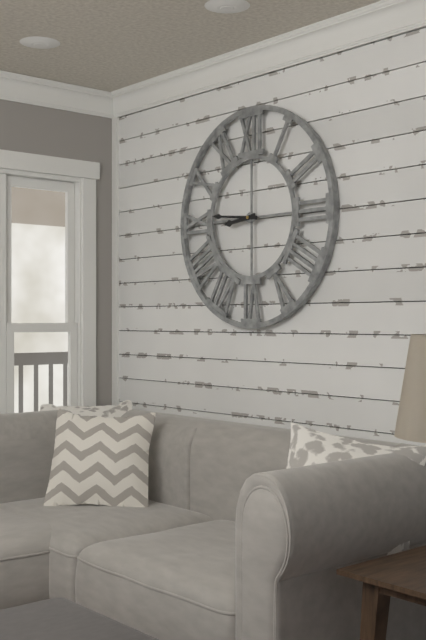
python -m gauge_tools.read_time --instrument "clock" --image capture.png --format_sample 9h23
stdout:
8h46
